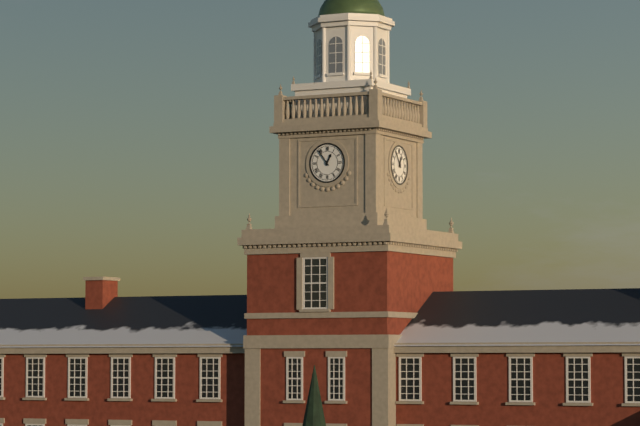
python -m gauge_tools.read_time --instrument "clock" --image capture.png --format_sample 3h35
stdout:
12h54
